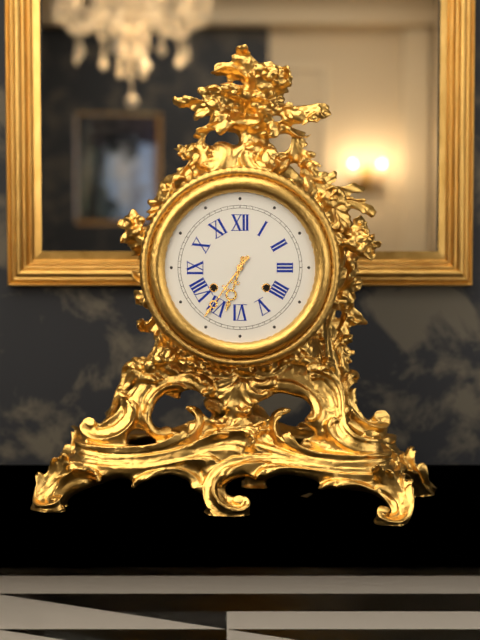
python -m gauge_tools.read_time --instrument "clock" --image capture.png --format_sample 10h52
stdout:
6h36
